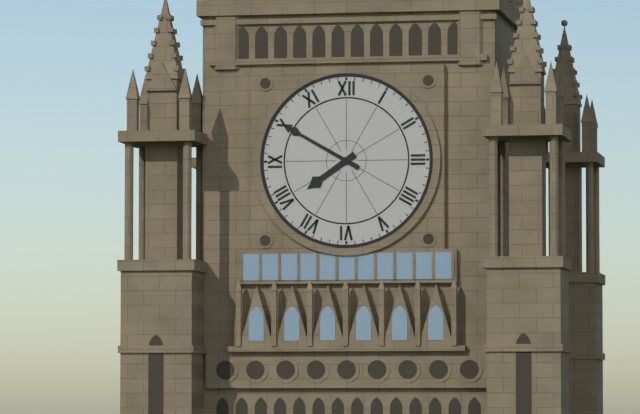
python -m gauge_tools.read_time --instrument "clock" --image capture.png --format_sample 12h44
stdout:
7h50
